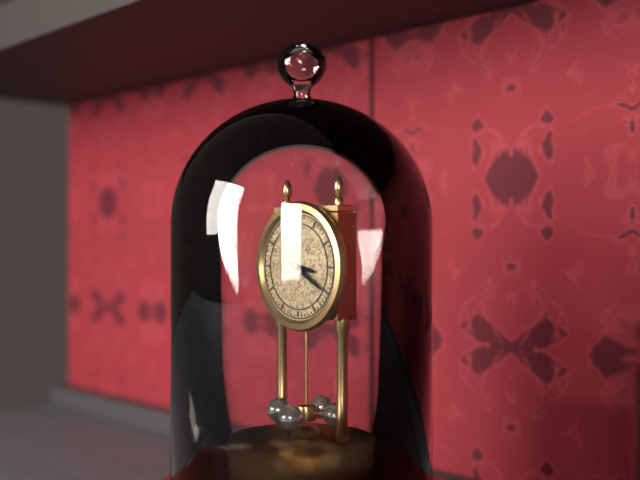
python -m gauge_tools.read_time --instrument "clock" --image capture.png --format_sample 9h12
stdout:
3h20
